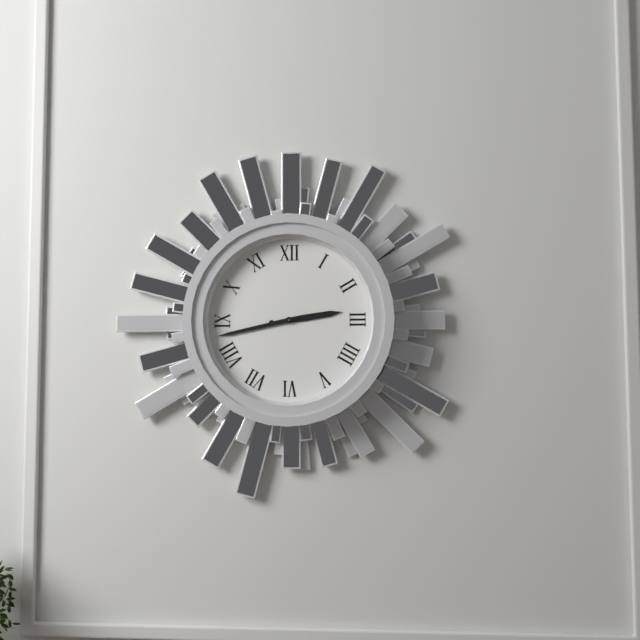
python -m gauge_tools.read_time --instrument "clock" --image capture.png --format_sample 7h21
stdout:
2h43
